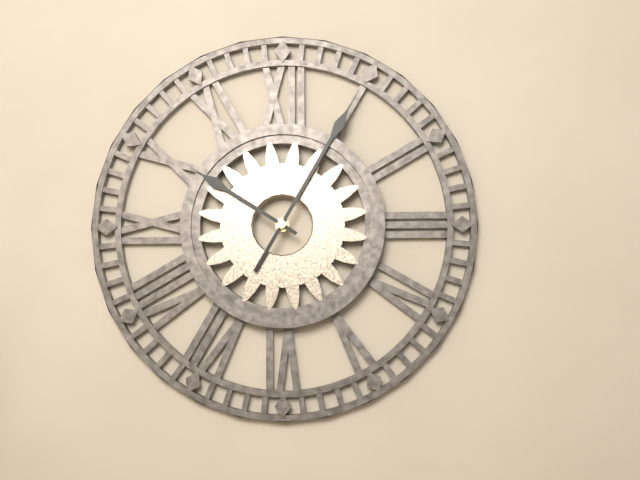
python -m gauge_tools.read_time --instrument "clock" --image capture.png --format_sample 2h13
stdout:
10h05
